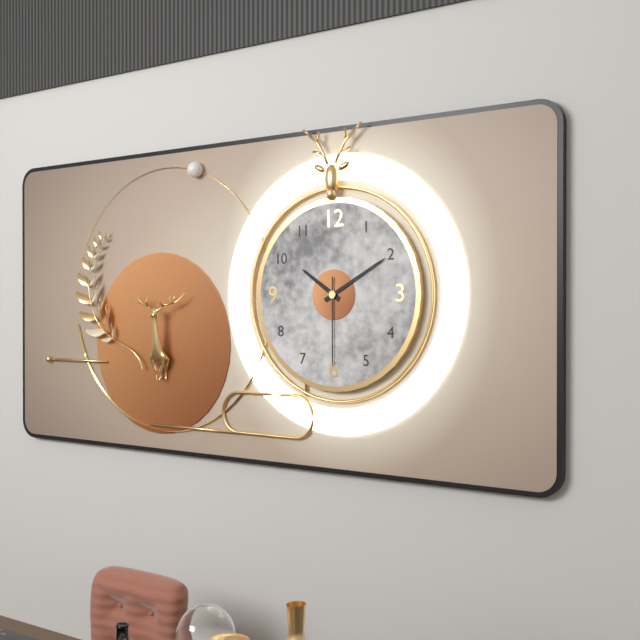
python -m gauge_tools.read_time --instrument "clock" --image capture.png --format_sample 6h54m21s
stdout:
10h10m30s
